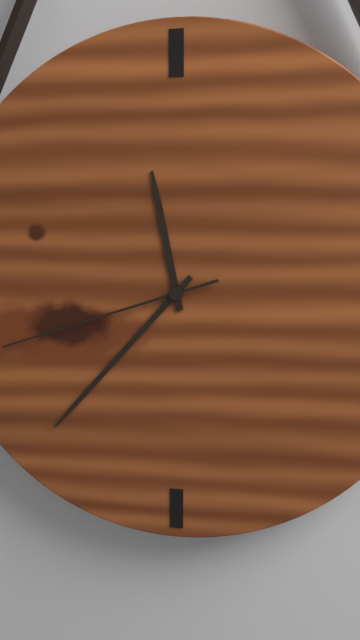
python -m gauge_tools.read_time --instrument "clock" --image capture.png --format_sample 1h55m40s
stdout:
11h37m42s
